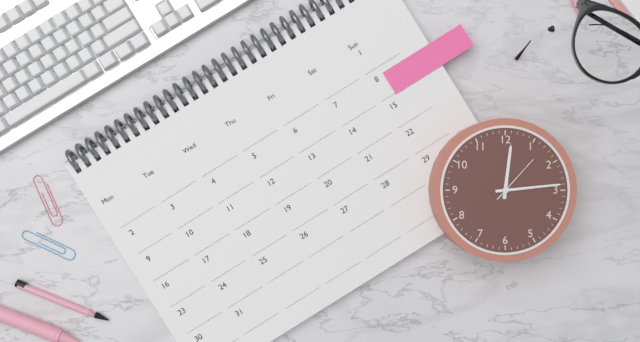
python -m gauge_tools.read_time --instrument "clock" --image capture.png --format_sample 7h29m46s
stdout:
12h14m07s
